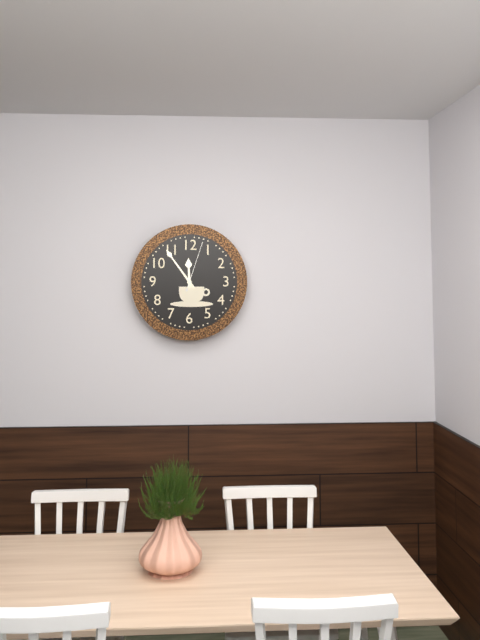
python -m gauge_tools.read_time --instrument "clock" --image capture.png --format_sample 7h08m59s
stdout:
11h54m03s
